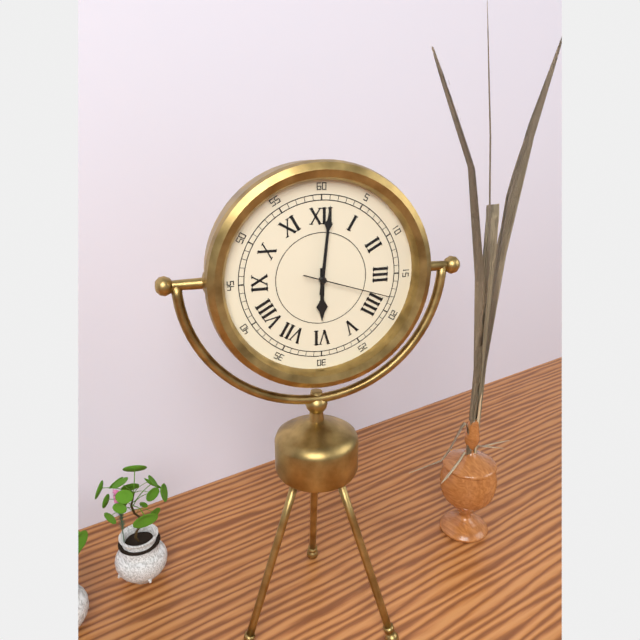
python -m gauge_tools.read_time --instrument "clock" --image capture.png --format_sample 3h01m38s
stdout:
6h01m18s
